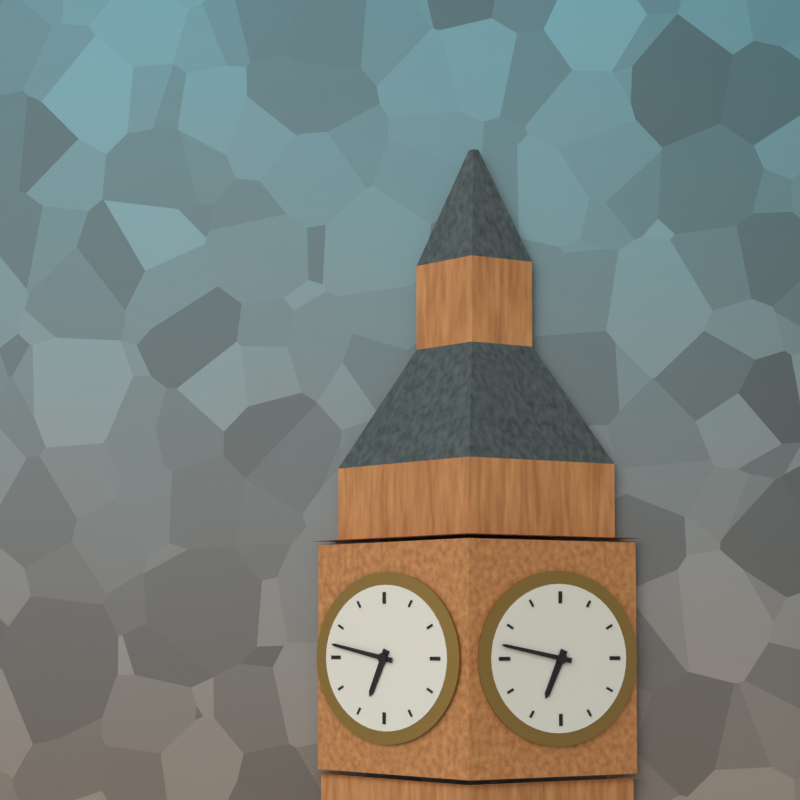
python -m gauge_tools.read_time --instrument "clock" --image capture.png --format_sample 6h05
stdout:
6h47
